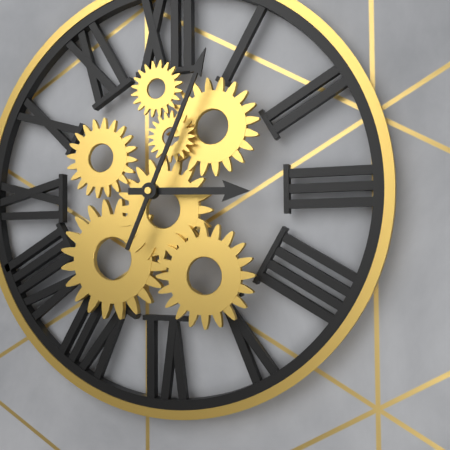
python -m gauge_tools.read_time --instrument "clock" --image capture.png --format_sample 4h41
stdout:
3h04
